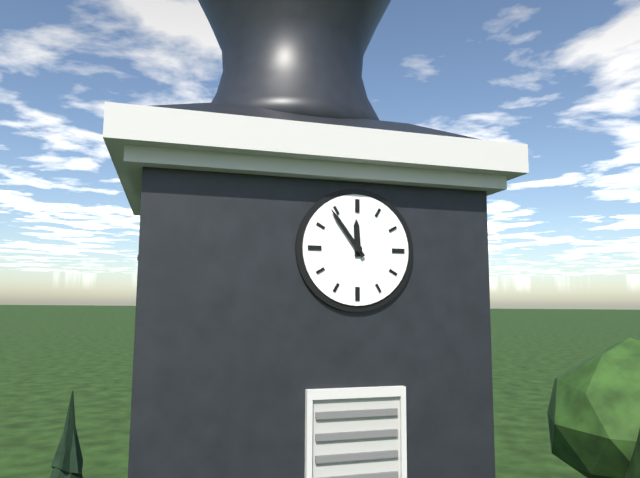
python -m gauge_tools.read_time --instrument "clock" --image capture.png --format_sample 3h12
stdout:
11h54
